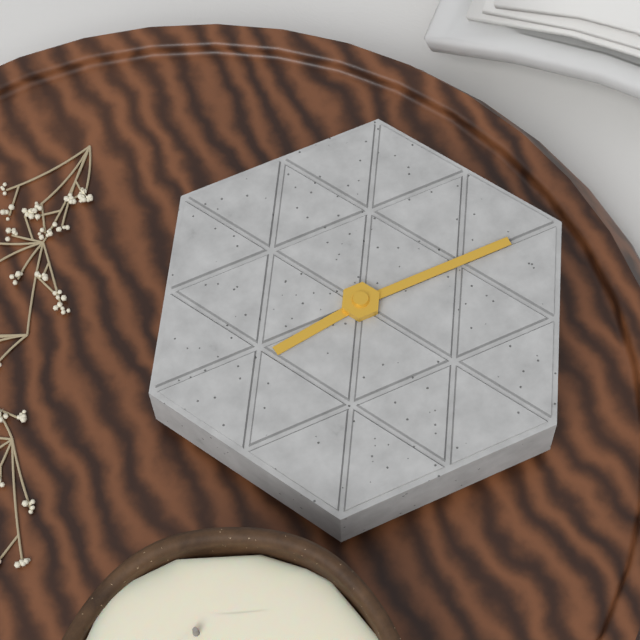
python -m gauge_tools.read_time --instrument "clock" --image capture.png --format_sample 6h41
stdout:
2h45
